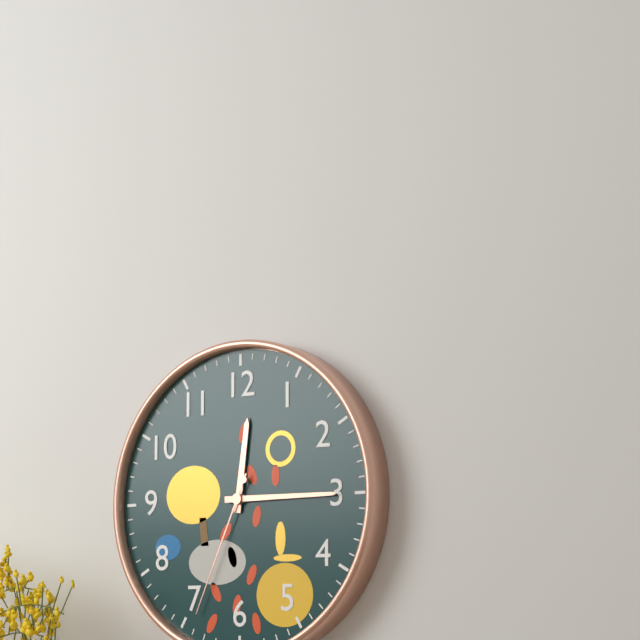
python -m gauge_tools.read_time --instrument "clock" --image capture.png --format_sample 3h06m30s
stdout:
12h15m34s
